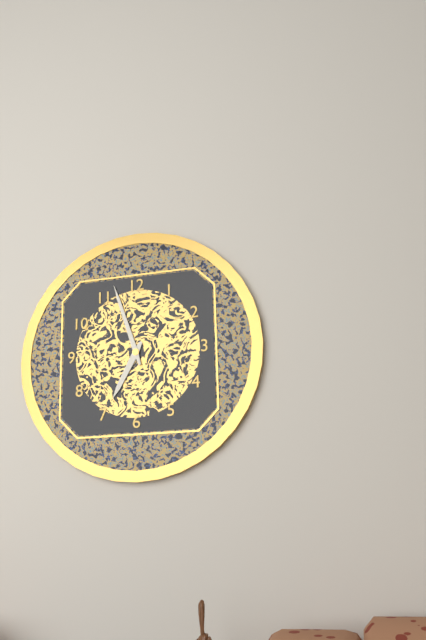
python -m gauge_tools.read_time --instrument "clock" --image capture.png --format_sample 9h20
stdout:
6h57
